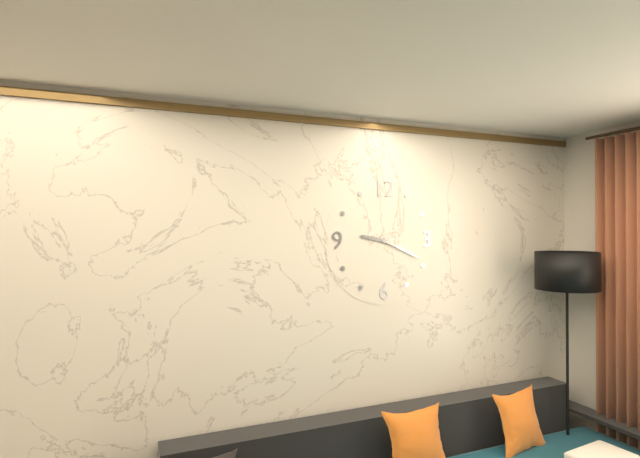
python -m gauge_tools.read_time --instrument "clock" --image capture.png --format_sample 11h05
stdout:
9h19
